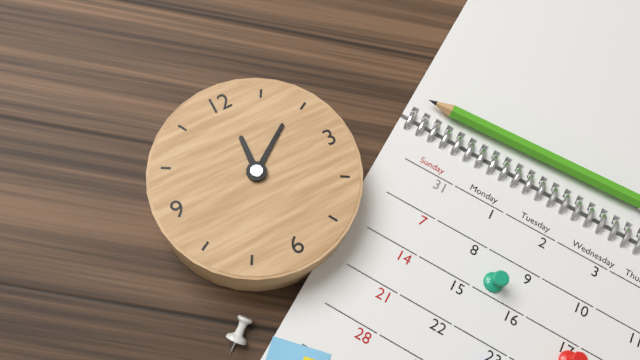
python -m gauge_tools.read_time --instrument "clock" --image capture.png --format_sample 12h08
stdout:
12h09
